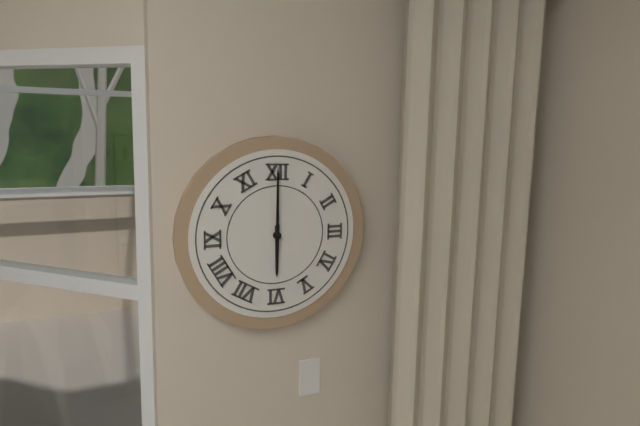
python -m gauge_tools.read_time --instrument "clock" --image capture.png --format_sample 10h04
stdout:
6h00
